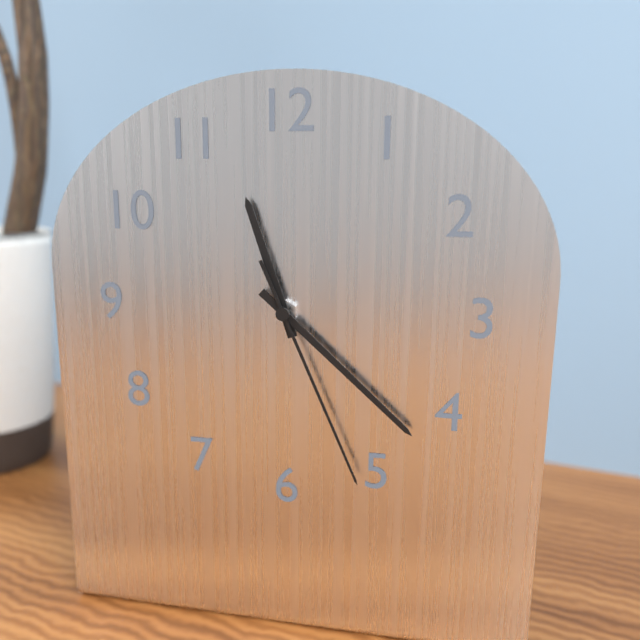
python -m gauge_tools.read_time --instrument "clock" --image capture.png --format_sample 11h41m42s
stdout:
11h22m26s
